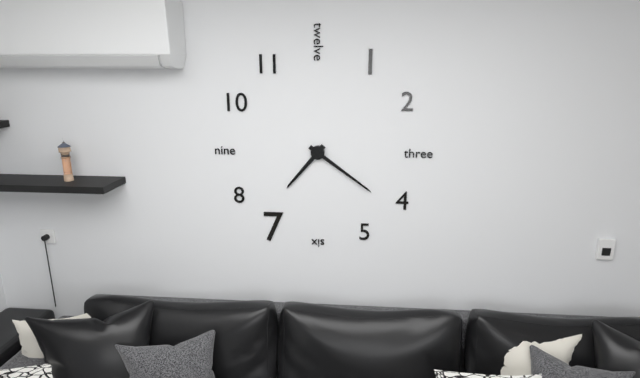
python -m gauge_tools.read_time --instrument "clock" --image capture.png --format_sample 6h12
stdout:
7h21
